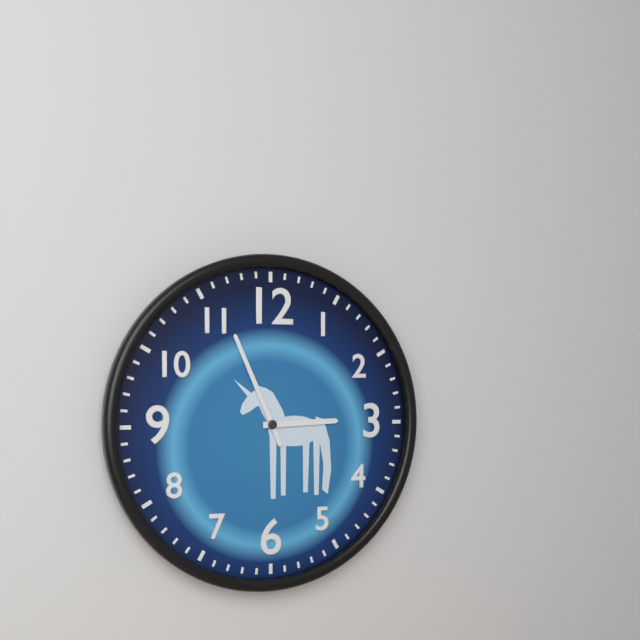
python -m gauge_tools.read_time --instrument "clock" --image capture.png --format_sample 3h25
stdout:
2h56
